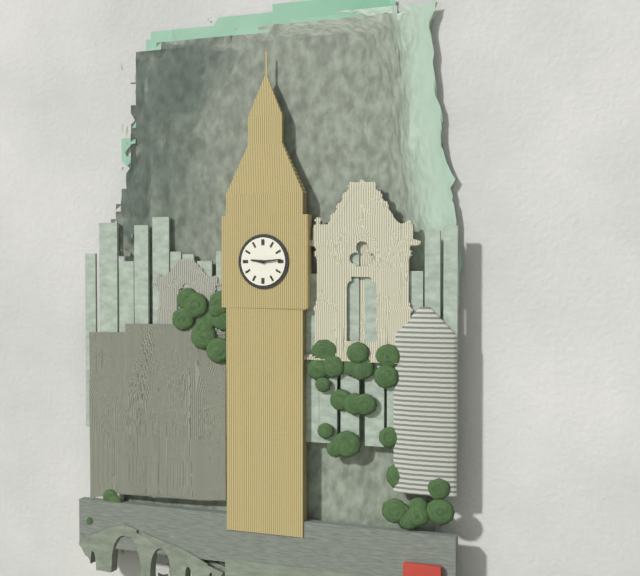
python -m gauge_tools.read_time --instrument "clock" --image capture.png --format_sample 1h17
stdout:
9h14
